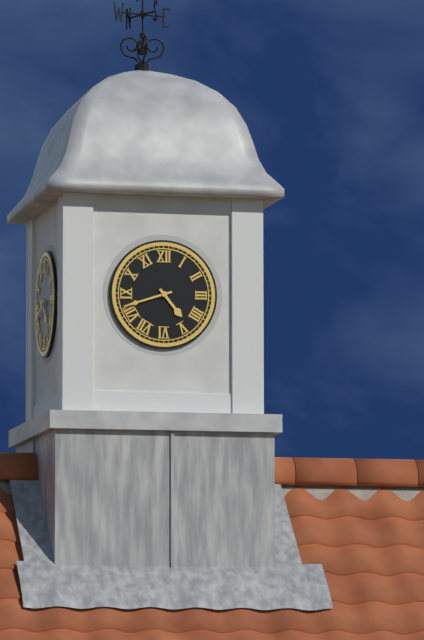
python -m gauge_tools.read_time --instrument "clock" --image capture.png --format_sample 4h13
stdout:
4h42
